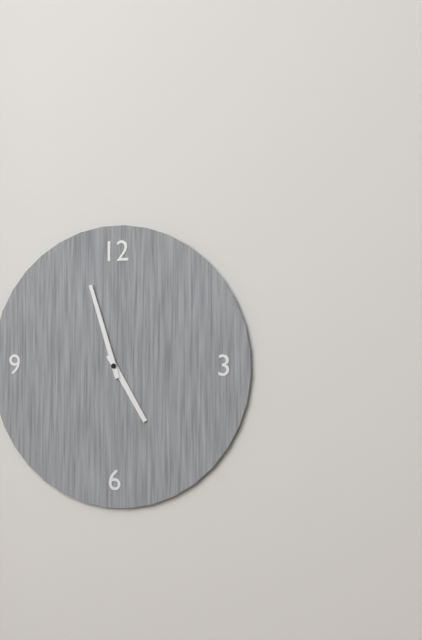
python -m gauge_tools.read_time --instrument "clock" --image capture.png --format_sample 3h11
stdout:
4h57
